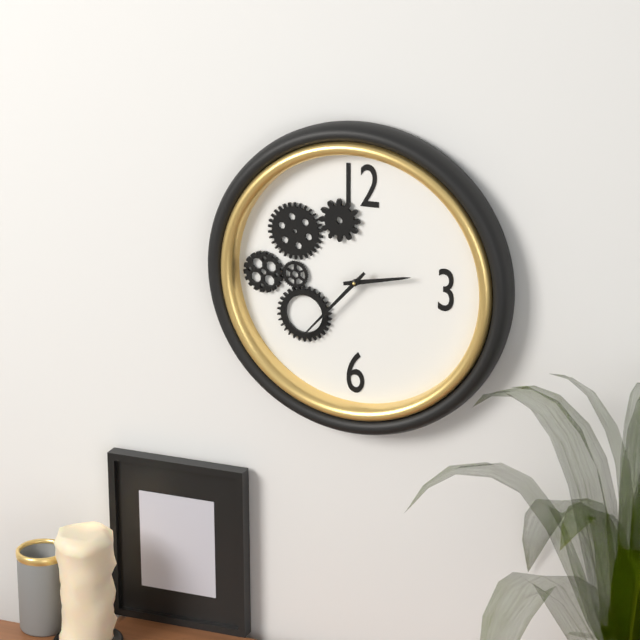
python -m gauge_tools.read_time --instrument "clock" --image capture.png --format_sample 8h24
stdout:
2h37
